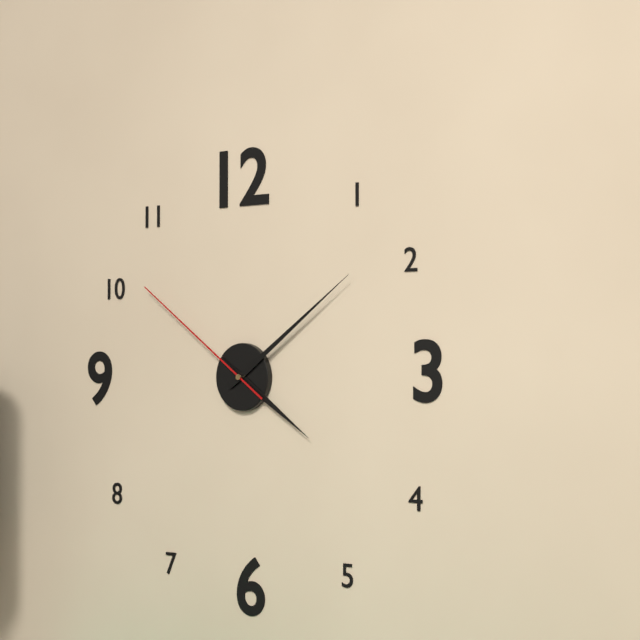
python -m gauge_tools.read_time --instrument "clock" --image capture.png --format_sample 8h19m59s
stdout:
4h09m51s
